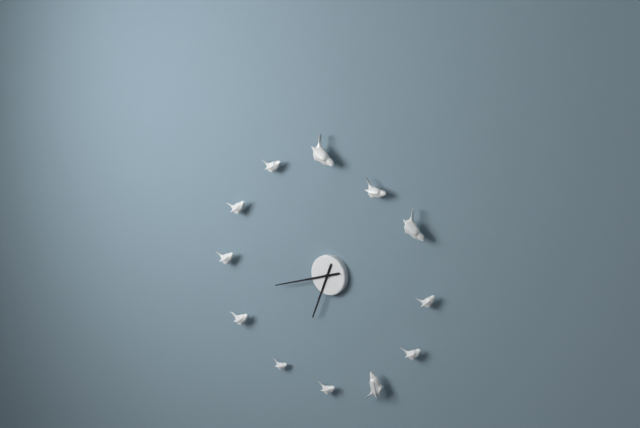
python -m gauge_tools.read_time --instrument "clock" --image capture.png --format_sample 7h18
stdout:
6h42
